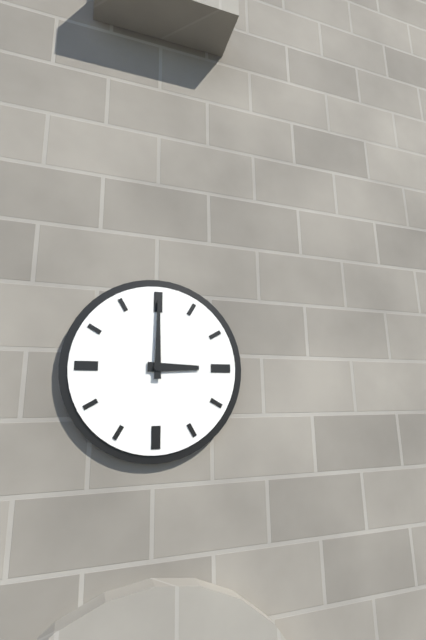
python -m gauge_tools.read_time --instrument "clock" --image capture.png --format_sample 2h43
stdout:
3h00
